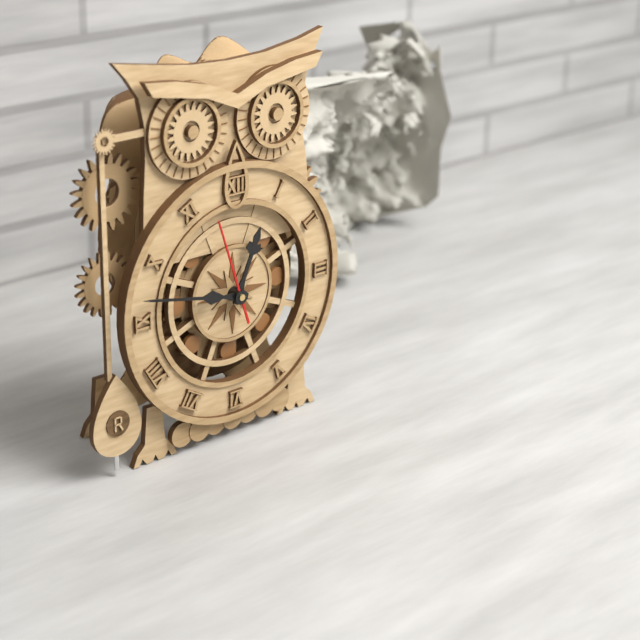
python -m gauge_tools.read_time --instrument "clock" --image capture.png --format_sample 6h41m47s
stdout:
12h47m57s
